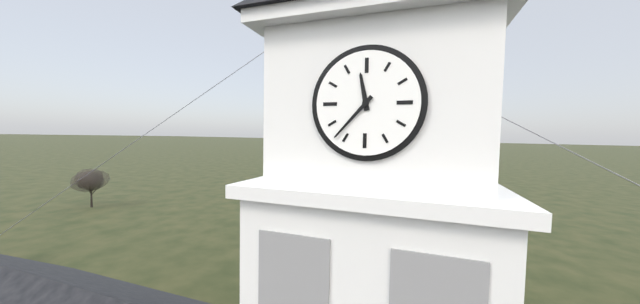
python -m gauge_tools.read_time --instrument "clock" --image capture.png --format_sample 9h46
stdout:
11h37
